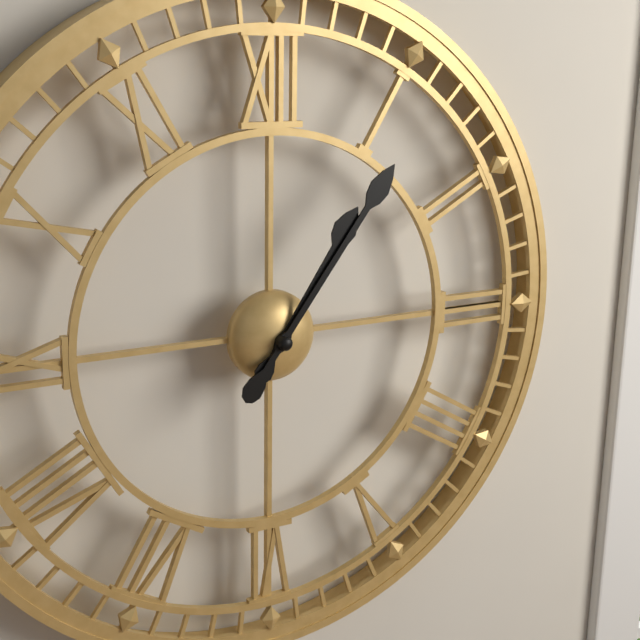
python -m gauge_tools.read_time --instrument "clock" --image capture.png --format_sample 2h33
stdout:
1h06
